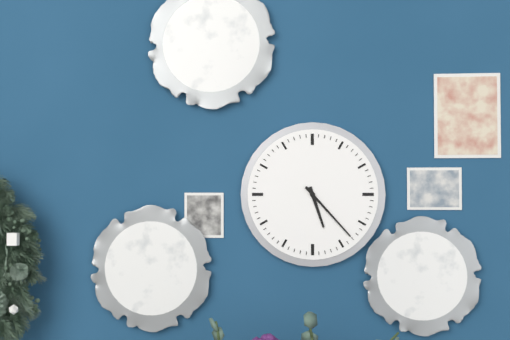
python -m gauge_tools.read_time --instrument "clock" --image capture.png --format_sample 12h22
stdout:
5h23
